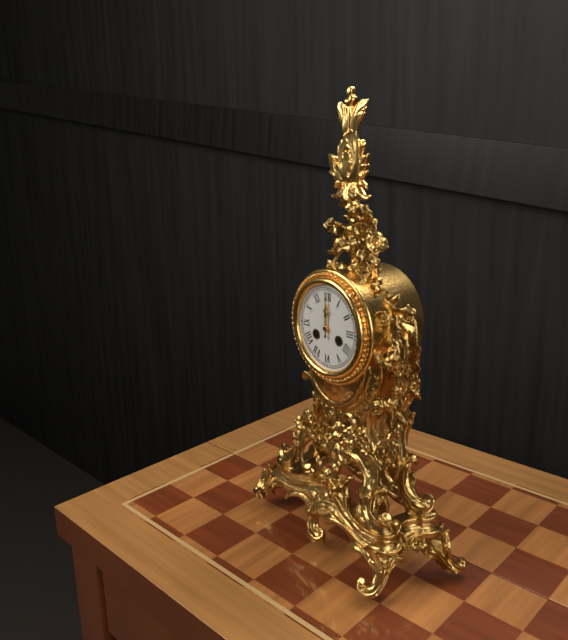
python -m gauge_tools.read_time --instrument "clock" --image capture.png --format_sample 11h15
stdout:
12h00
